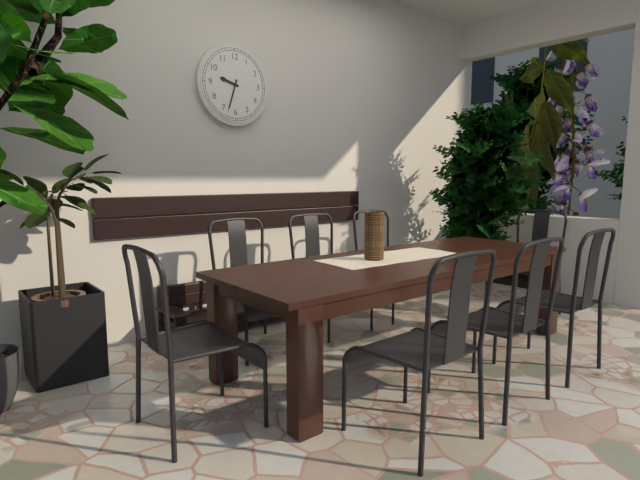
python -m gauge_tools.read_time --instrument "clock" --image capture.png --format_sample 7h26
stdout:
9h33
